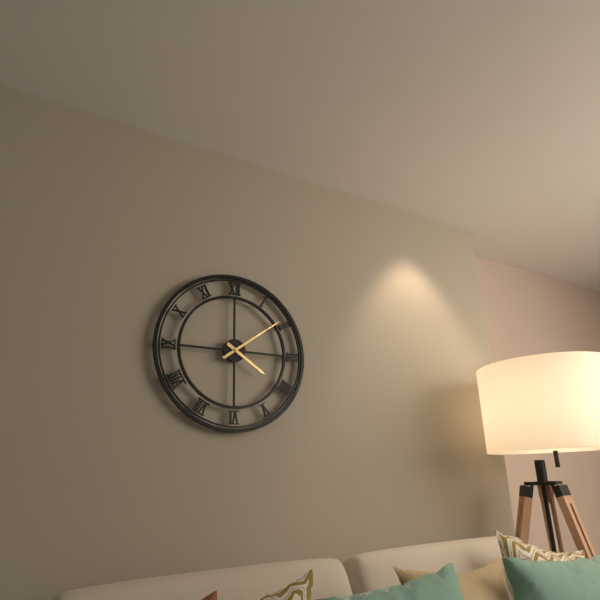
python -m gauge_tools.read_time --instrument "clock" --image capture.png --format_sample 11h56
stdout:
4h09
